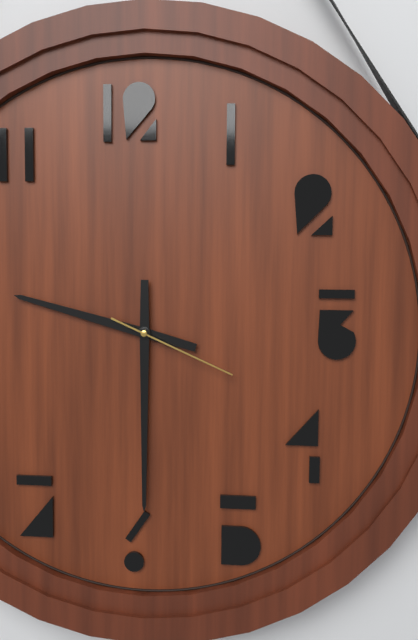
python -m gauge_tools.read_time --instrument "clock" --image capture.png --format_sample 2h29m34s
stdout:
9h30m19s
